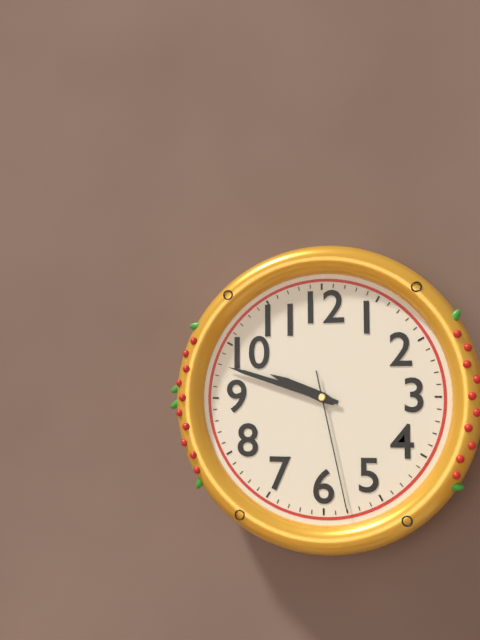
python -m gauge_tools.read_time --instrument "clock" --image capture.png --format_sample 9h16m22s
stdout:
9h48m28s
